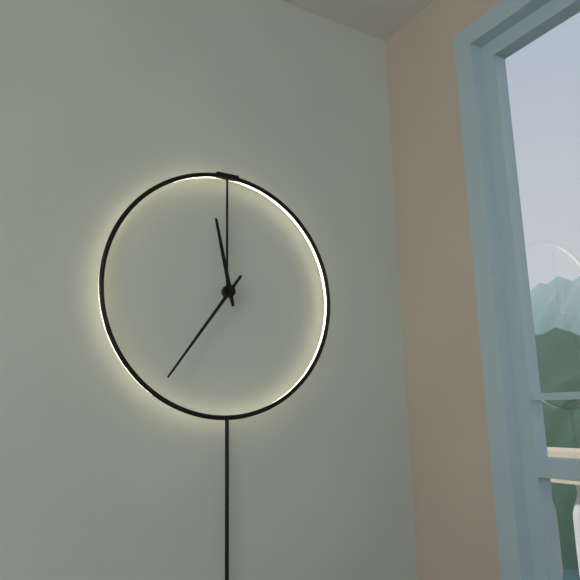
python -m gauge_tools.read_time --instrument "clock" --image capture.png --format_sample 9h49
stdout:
11h36
